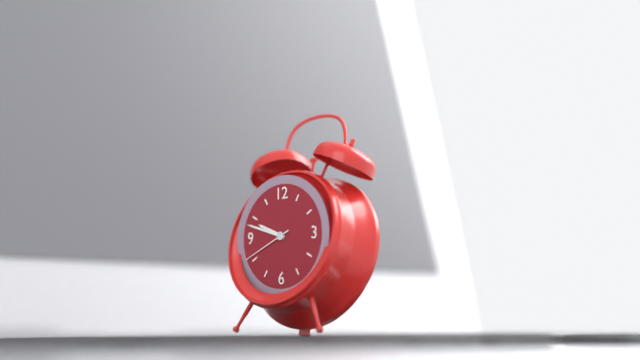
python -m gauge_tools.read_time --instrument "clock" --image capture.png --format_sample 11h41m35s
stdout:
9h48m41s
